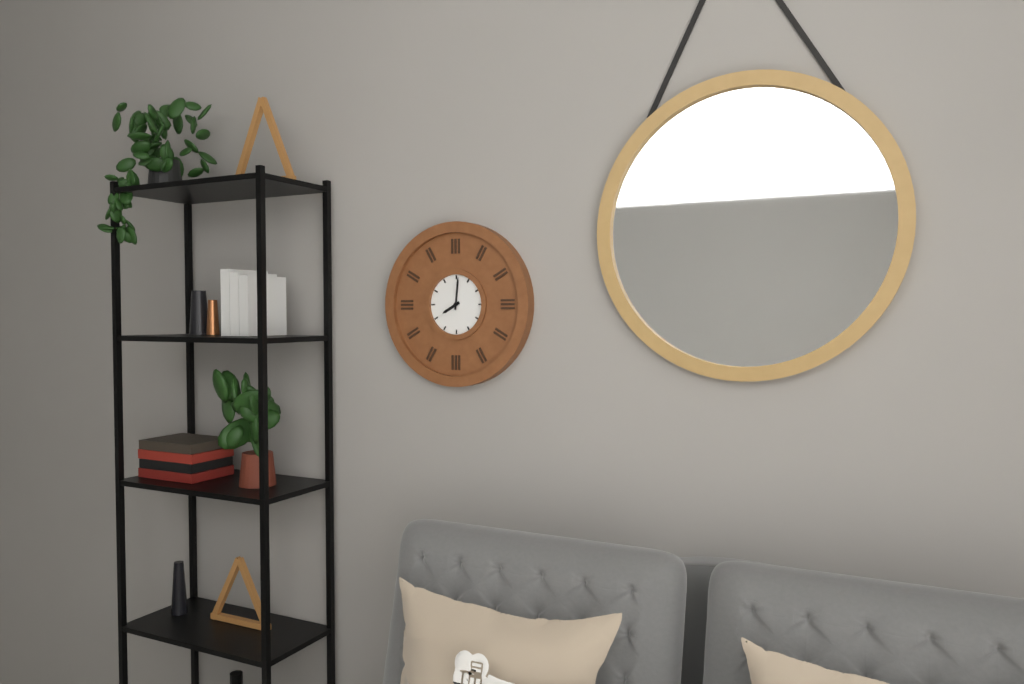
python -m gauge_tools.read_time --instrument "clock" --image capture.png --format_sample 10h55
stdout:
8h01
